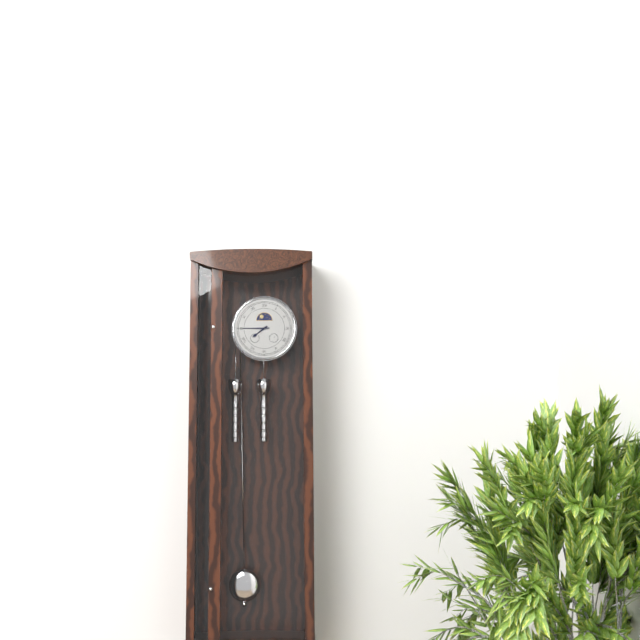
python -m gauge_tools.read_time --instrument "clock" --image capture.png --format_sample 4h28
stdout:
7h45
